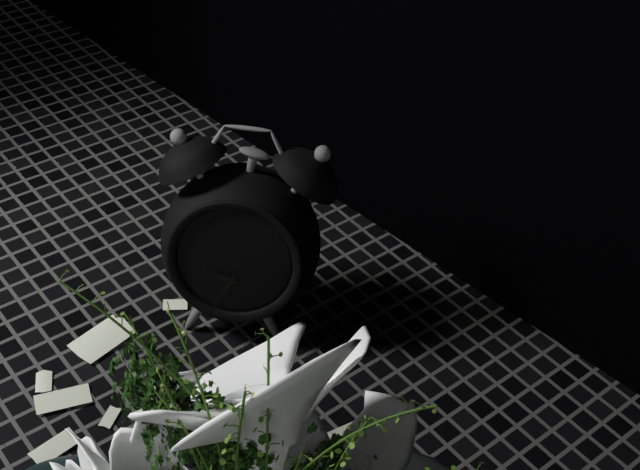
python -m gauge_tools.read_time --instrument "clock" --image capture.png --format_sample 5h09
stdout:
9h34
